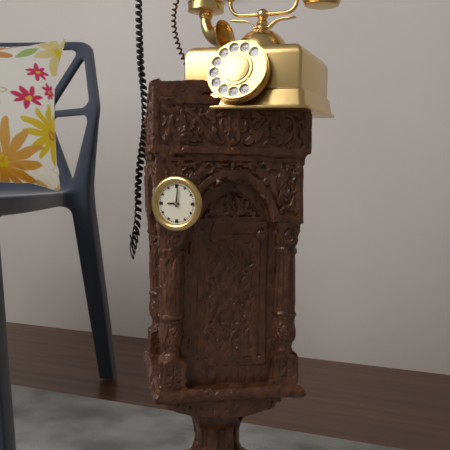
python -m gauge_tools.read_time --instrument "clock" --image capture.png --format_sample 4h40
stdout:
9h01
